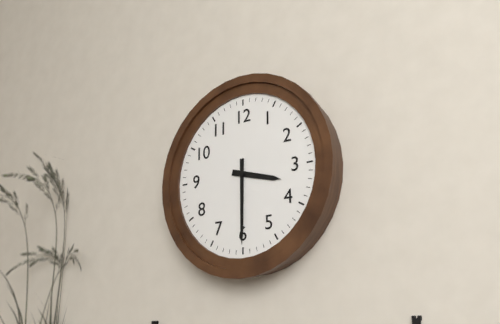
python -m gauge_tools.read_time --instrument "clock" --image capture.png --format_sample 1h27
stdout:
3h30
